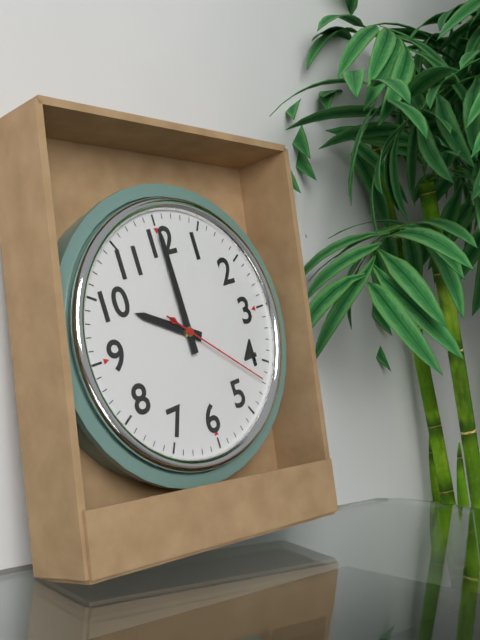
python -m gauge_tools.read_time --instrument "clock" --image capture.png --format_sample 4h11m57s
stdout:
10h00m22s
